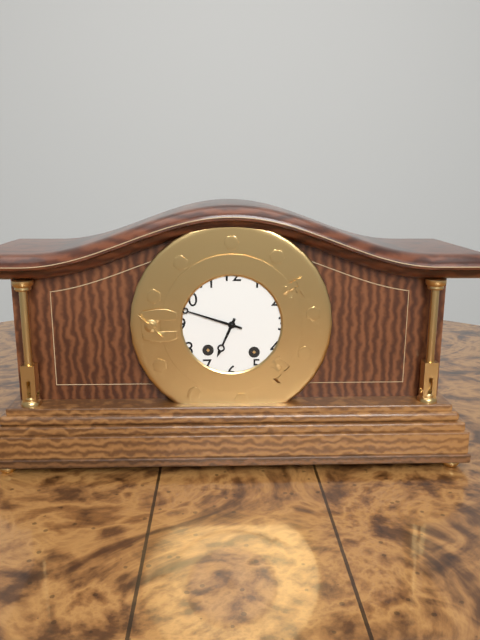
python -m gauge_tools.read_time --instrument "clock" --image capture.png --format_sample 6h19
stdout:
6h48
